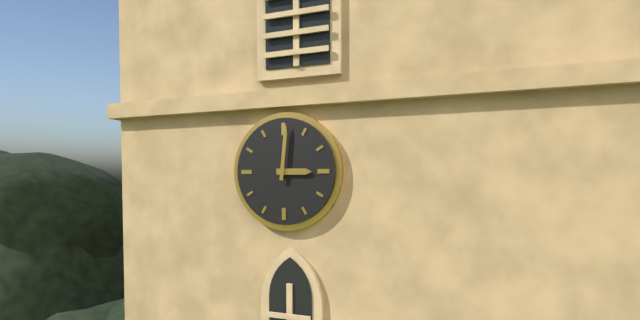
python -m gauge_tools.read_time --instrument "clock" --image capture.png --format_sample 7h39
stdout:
3h01
